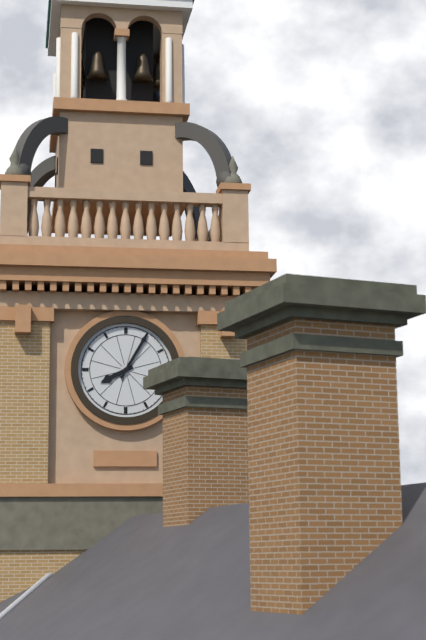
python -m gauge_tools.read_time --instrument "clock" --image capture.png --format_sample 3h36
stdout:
8h05
